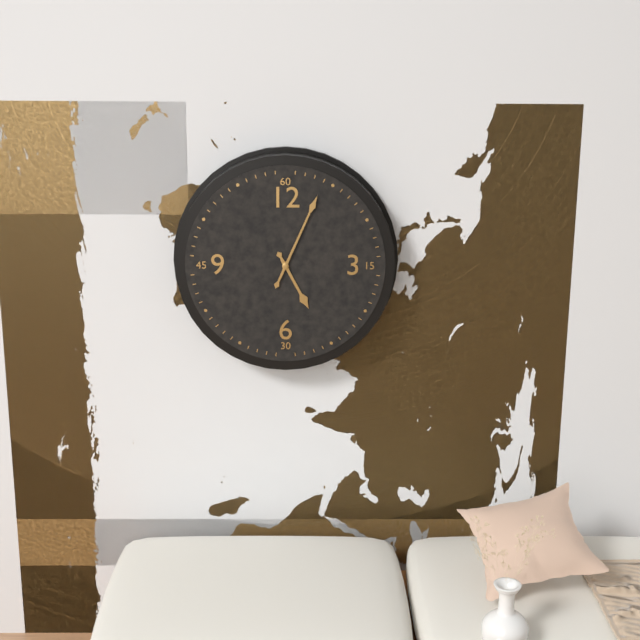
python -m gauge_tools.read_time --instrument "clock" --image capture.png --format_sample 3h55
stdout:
5h04
